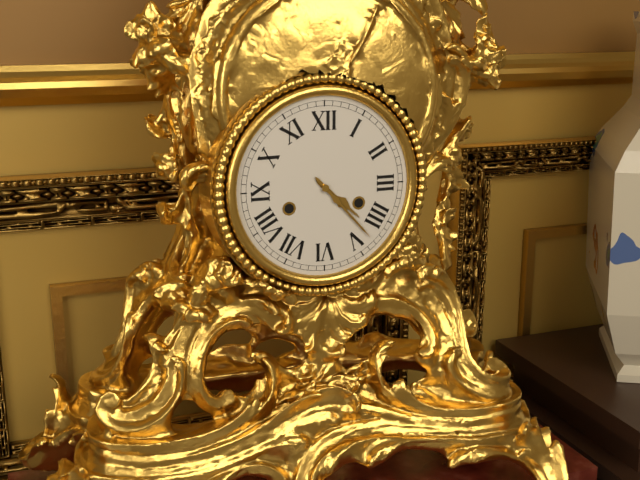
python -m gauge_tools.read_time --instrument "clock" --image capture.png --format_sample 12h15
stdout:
4h23
